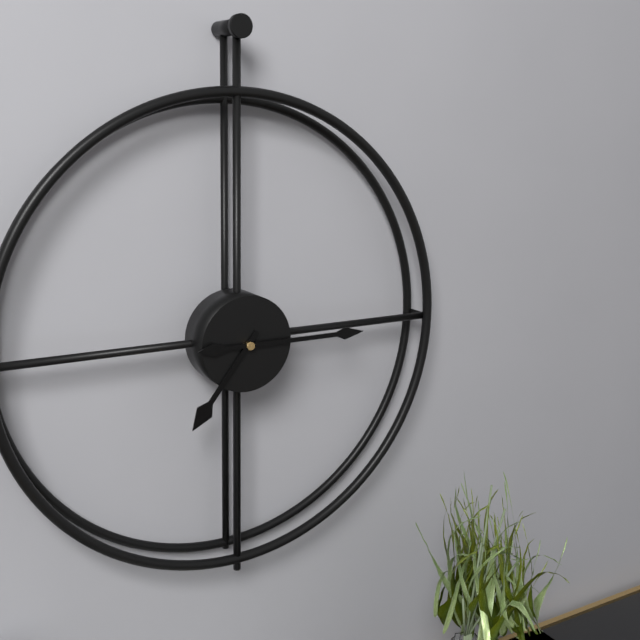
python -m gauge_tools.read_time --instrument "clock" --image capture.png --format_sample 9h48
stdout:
7h15
